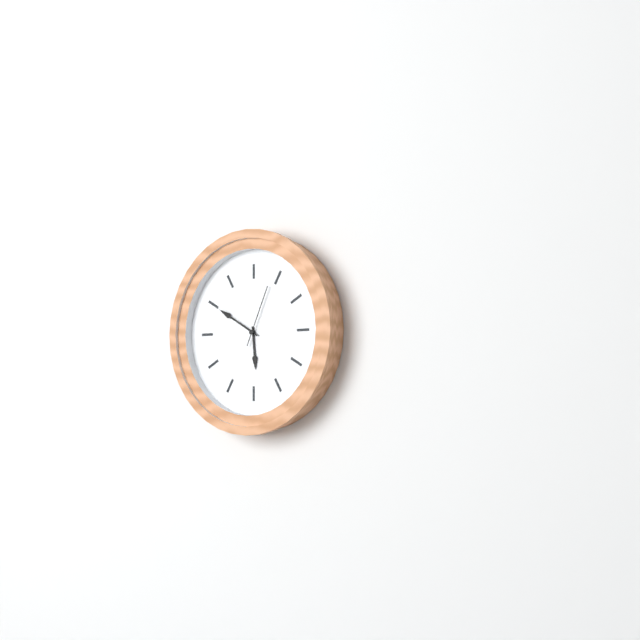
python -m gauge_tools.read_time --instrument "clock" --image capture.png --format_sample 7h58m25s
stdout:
5h50m04s
